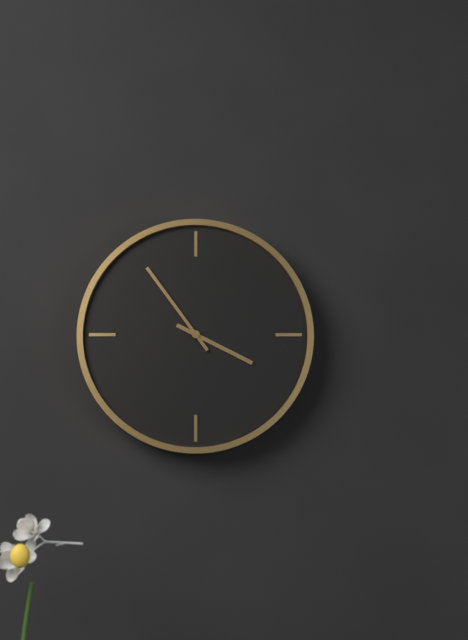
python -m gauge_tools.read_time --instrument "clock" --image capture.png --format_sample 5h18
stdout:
3h54
